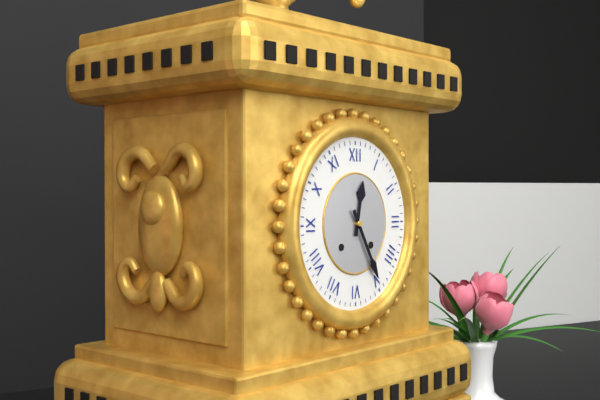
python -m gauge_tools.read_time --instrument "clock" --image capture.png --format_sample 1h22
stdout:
12h25
